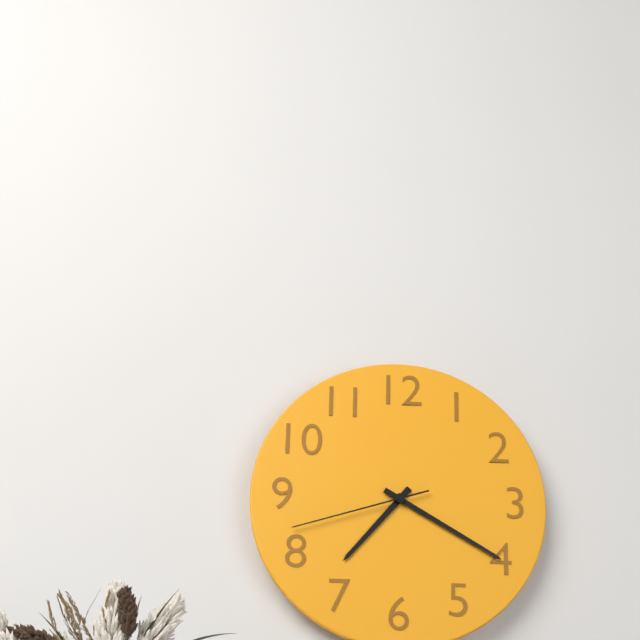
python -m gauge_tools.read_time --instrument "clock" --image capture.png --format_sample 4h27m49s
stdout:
7h20m42s
